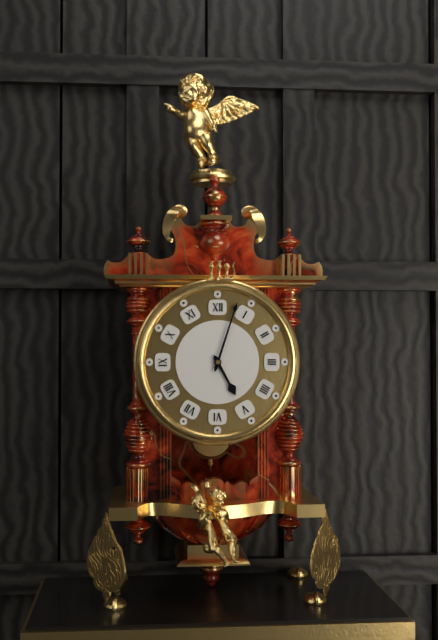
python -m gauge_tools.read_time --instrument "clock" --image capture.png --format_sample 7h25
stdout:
5h03
